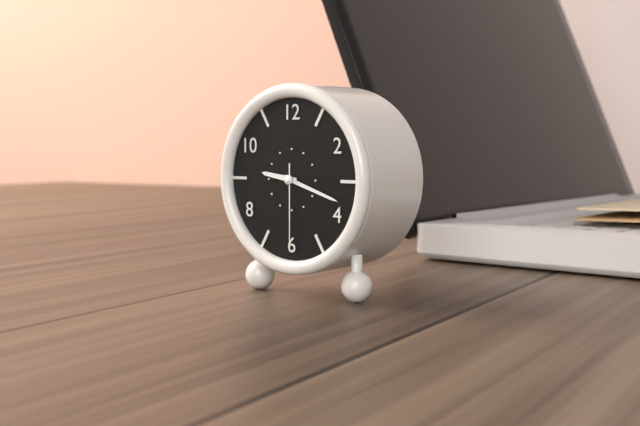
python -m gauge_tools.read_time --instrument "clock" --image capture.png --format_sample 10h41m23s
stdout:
9h18m30s
